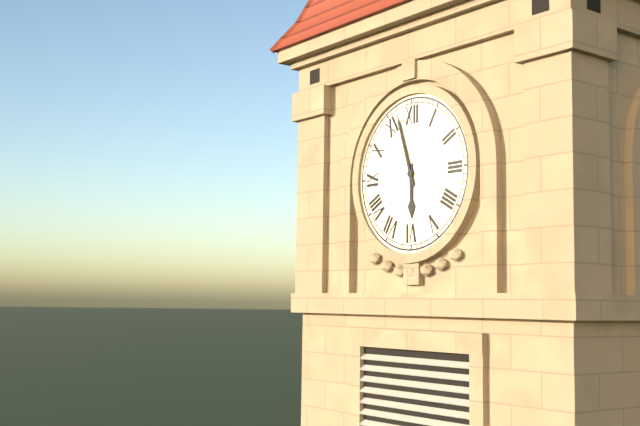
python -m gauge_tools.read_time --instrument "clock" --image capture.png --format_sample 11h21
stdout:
5h57
